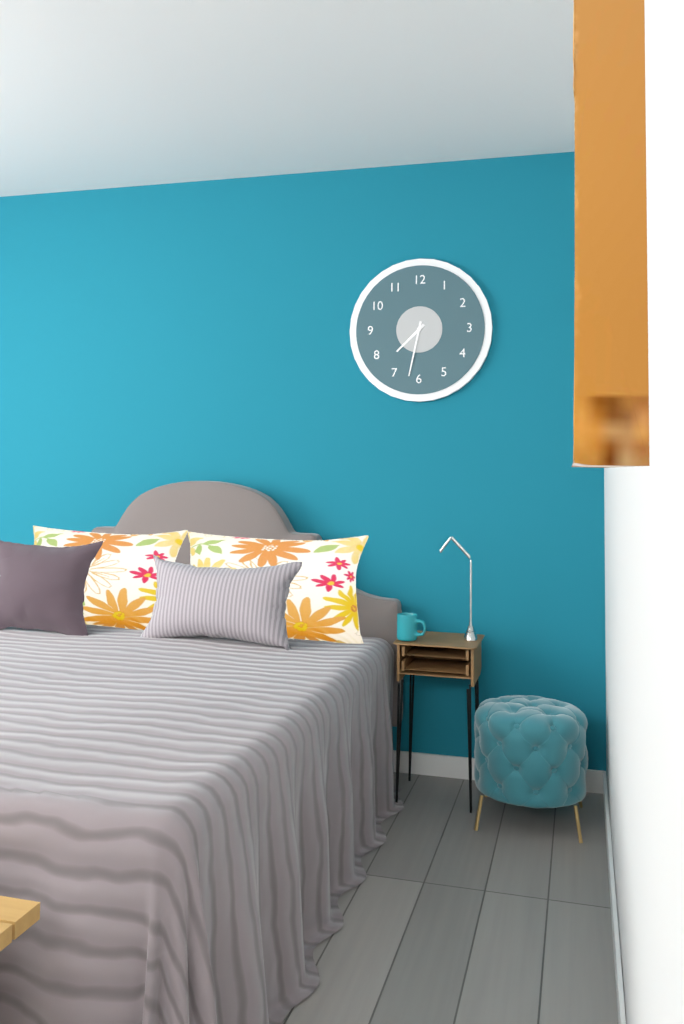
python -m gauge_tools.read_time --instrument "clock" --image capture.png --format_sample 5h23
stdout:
7h32
